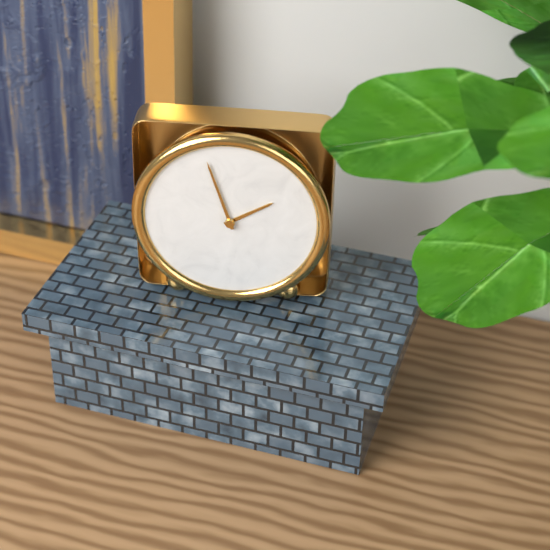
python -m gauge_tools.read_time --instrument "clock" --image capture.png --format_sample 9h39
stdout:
1h57
